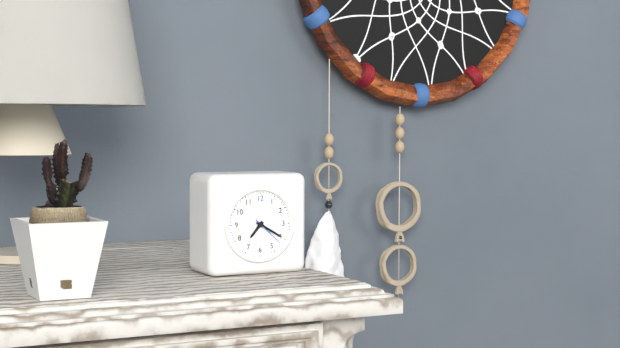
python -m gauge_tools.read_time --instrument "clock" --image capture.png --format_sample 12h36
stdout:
7h20
